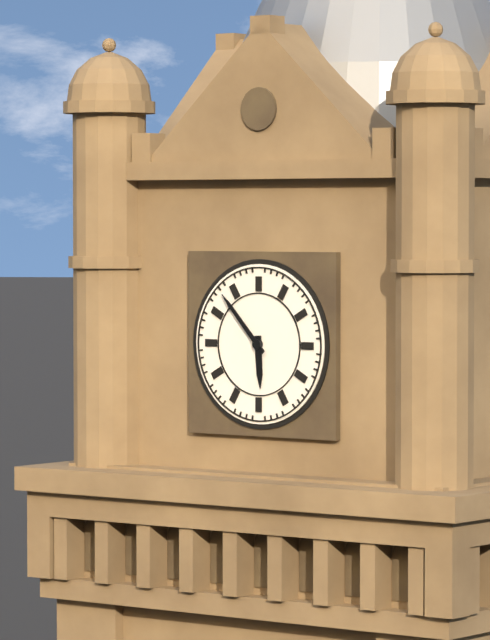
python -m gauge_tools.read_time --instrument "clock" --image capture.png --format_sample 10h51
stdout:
5h53
